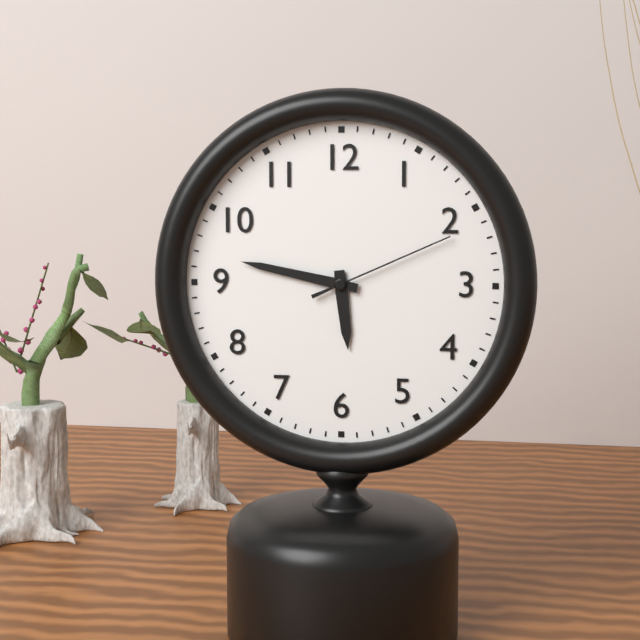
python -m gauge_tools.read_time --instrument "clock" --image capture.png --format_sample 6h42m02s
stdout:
5h47m11s
